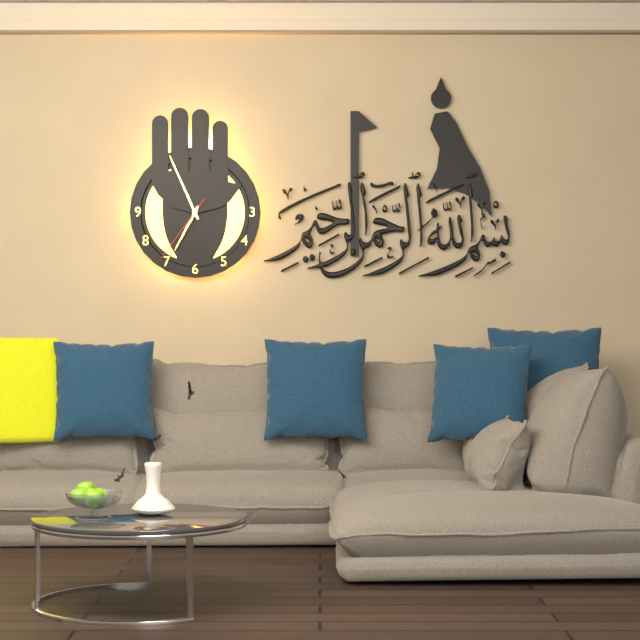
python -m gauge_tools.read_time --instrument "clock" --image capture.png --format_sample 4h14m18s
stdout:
6h56m36s
